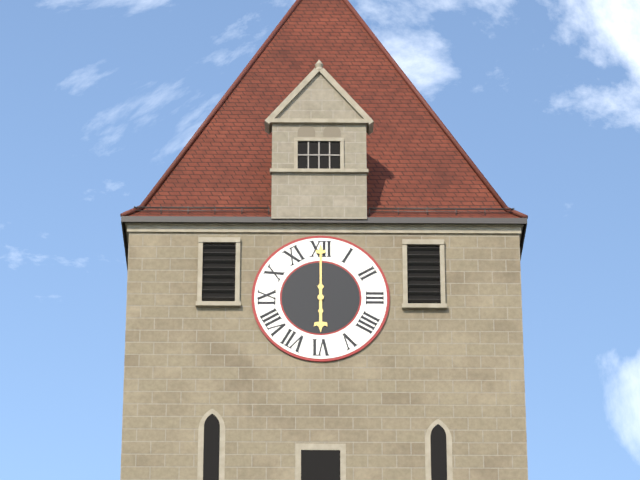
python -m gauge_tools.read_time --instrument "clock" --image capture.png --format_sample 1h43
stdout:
6h00
